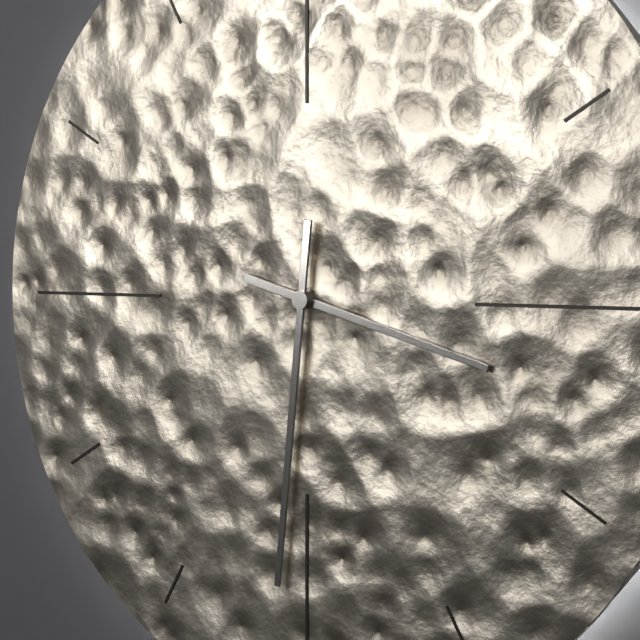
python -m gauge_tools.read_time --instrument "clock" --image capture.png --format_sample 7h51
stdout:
3h31
